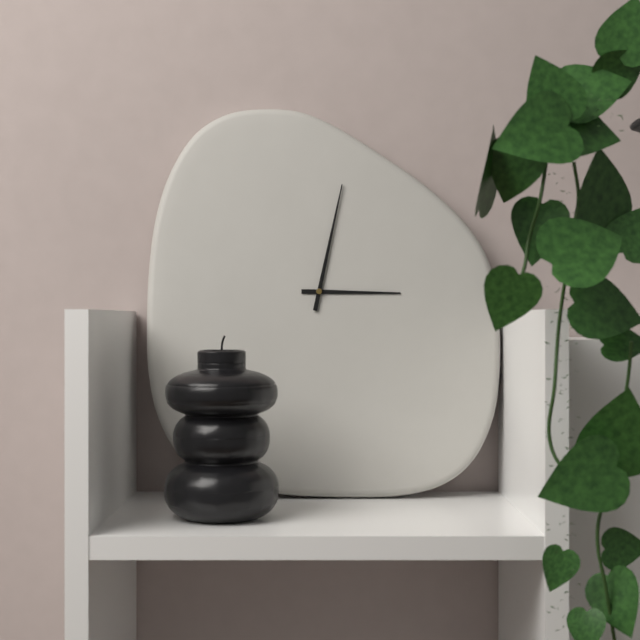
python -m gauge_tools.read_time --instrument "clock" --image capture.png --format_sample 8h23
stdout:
3h02
